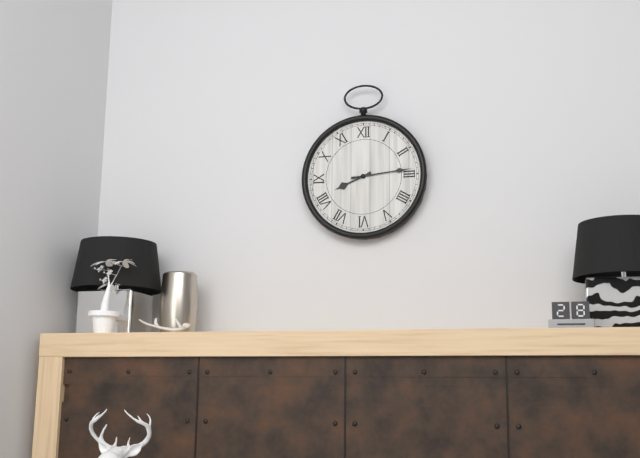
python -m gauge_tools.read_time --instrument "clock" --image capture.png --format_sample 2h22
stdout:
8h14
